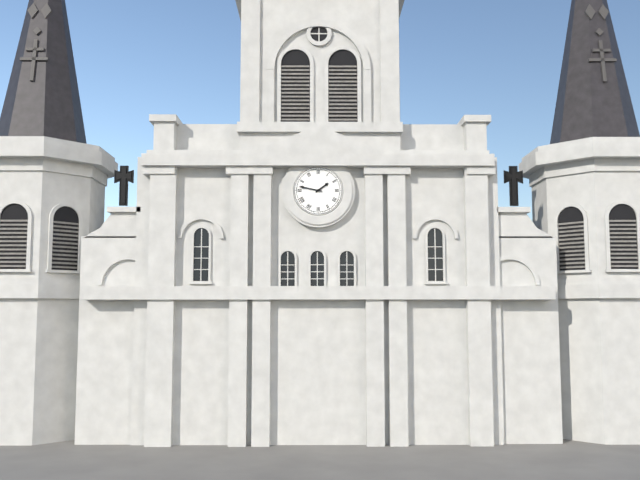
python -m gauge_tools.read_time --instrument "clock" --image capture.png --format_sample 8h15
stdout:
1h47
